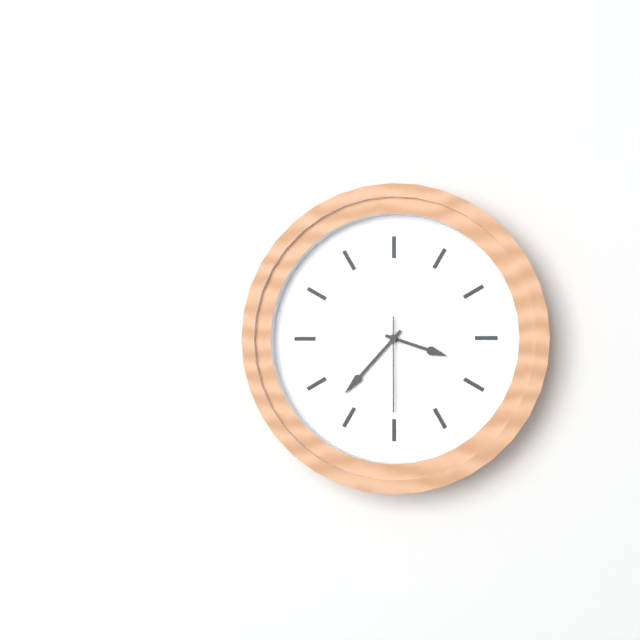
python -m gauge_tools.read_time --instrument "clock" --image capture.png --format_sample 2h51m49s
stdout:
3h37m30s
